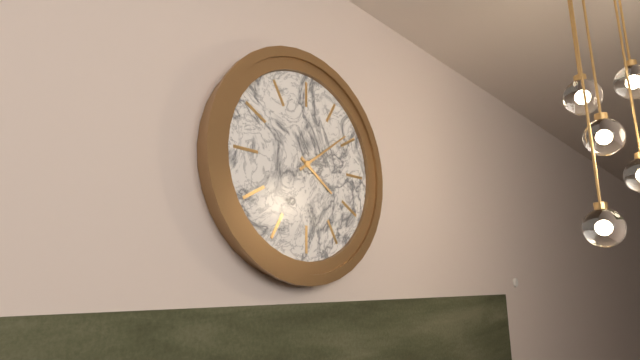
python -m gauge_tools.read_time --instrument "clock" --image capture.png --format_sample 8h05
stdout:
4h09
